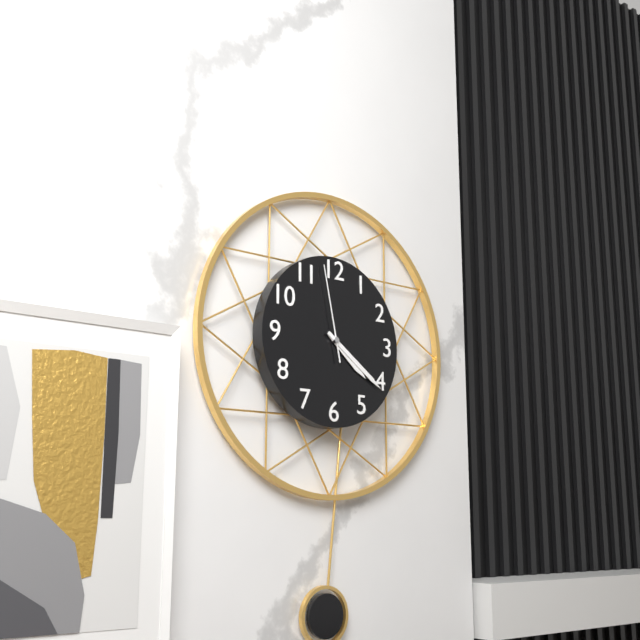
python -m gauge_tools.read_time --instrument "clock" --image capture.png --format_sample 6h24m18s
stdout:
4h21m58s
